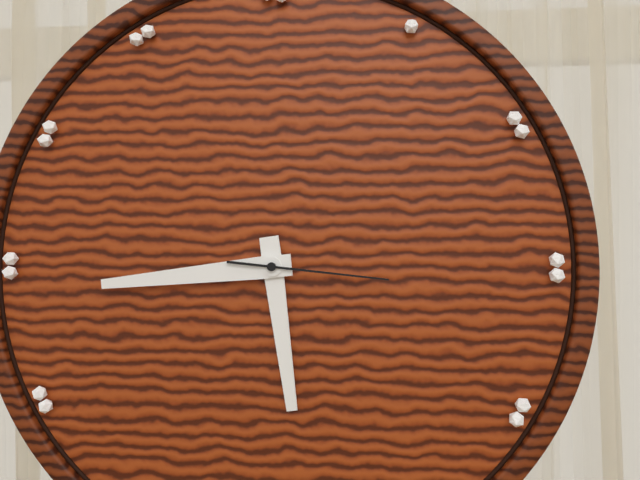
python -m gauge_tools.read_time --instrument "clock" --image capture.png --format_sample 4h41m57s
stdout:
5h44m16s
